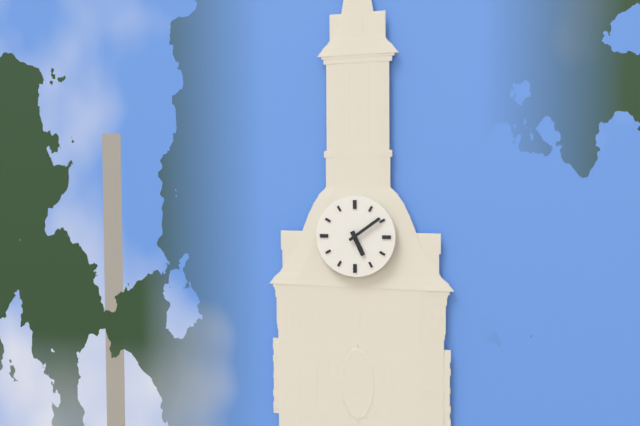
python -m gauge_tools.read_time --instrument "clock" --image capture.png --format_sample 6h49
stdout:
5h09
